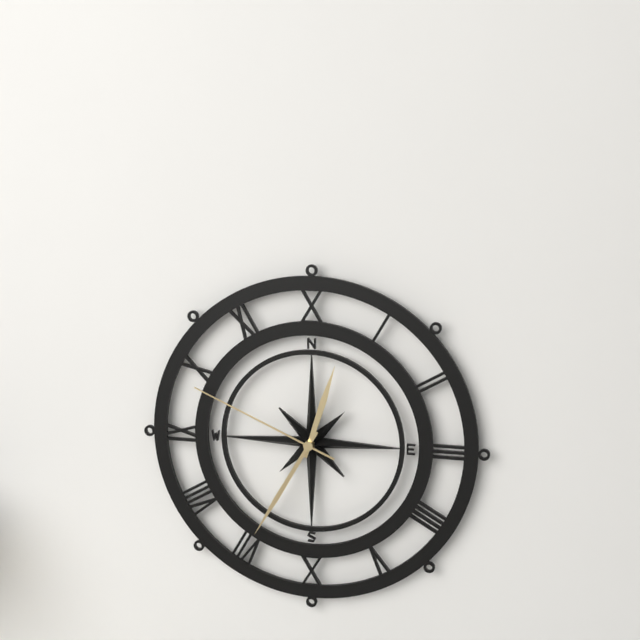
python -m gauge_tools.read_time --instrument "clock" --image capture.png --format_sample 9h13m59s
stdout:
12h35m49s
